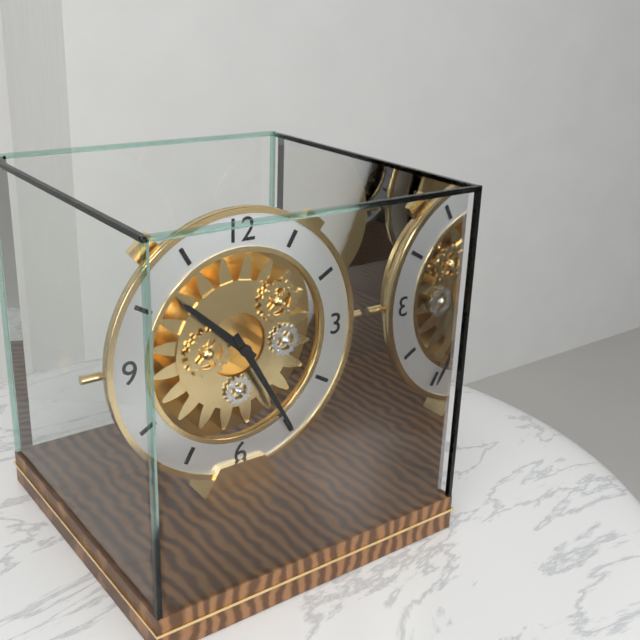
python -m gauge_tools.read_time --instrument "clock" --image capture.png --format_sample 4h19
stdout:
10h25
